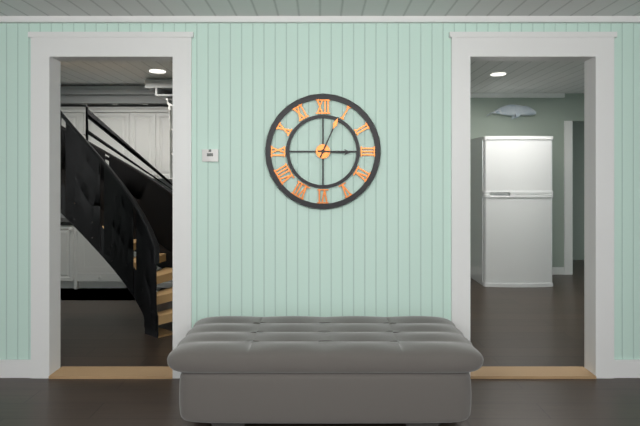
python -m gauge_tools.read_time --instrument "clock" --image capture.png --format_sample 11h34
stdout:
3h04
